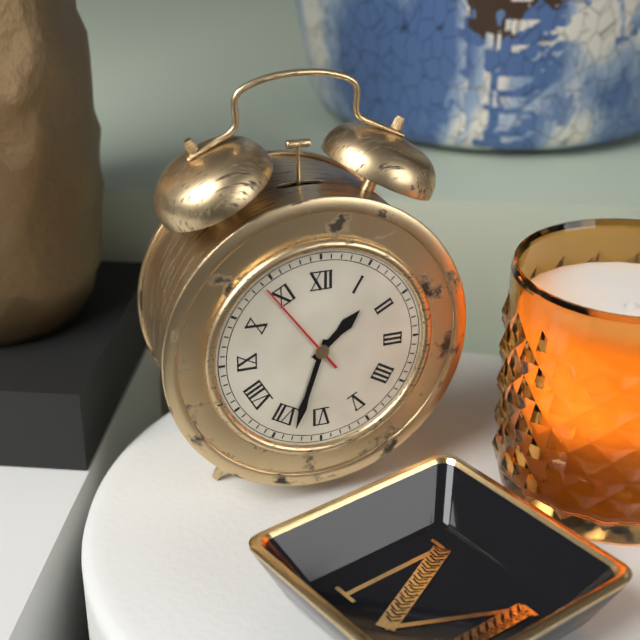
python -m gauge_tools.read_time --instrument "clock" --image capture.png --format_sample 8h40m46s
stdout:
1h33m54s
